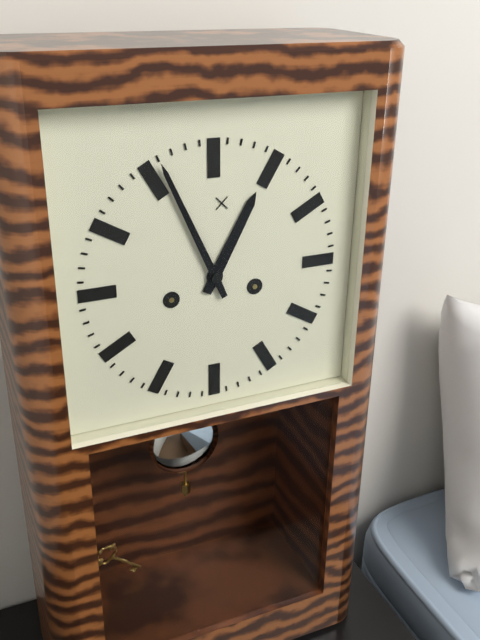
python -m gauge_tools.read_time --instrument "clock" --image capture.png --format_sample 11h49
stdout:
12h56
